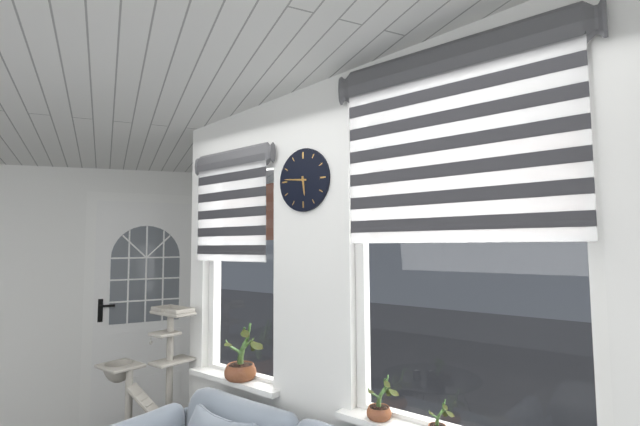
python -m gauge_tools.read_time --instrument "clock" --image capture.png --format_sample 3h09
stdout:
5h46
